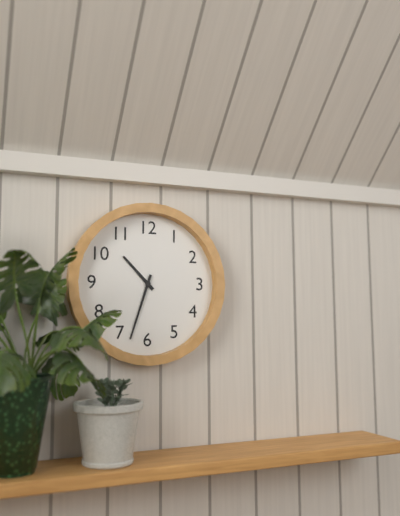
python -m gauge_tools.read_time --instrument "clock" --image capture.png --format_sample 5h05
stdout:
10h33
